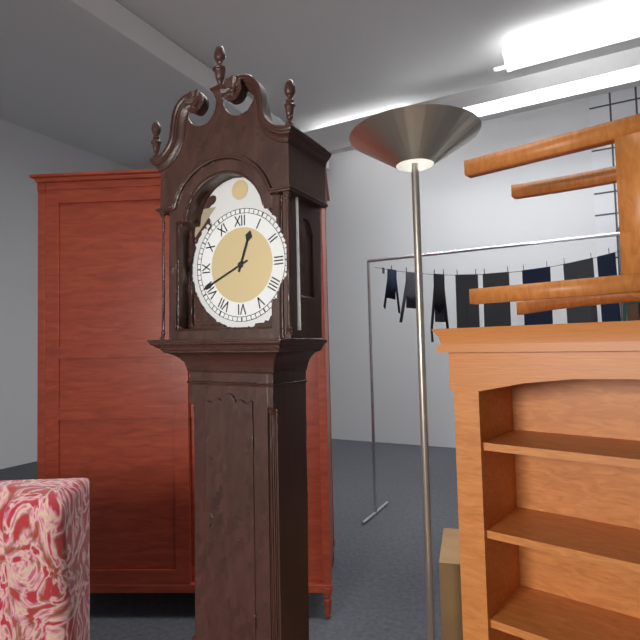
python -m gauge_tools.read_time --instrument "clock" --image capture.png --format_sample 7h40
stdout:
12h41
